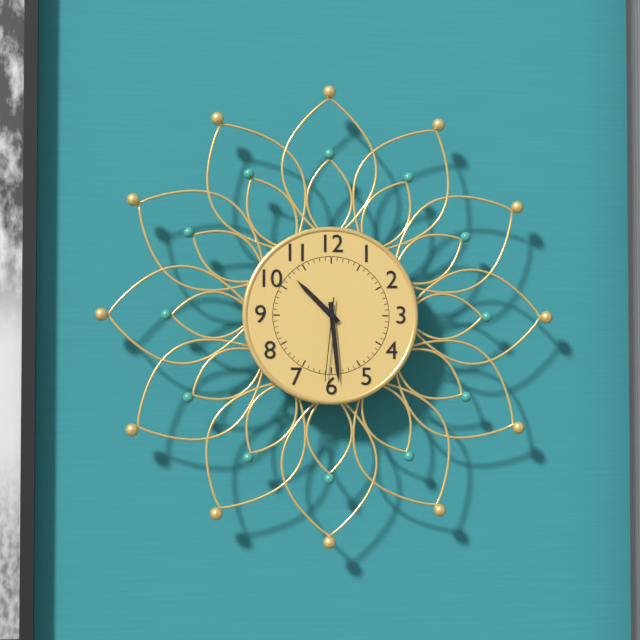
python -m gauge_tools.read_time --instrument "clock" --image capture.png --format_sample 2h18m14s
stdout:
10h29m31s
